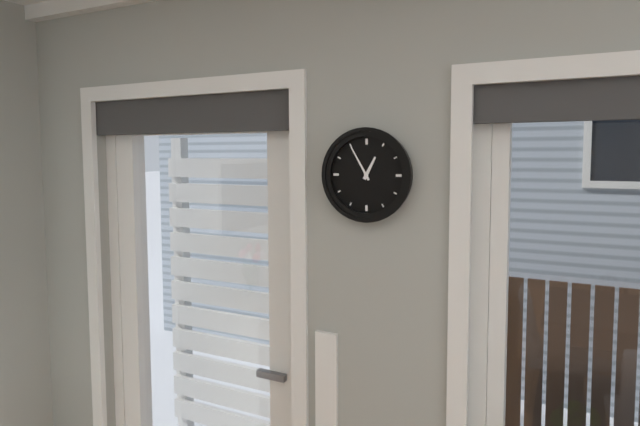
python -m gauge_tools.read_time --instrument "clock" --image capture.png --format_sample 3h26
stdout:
12h55
